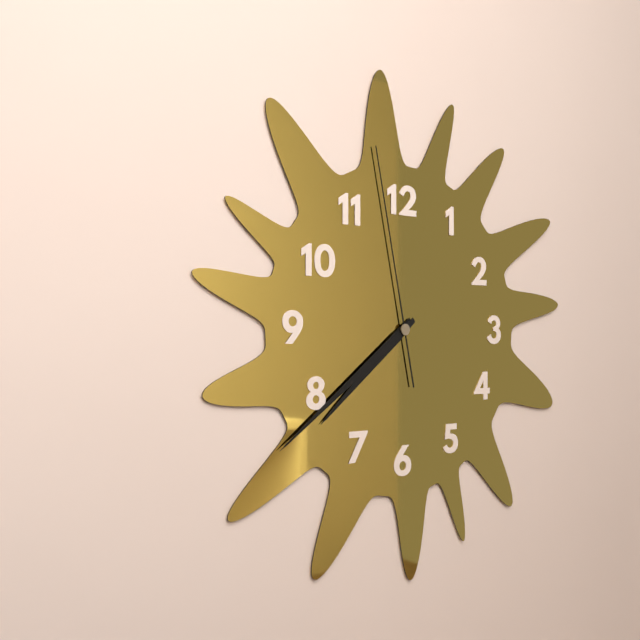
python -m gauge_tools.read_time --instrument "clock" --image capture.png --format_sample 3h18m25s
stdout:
7h39m58s
